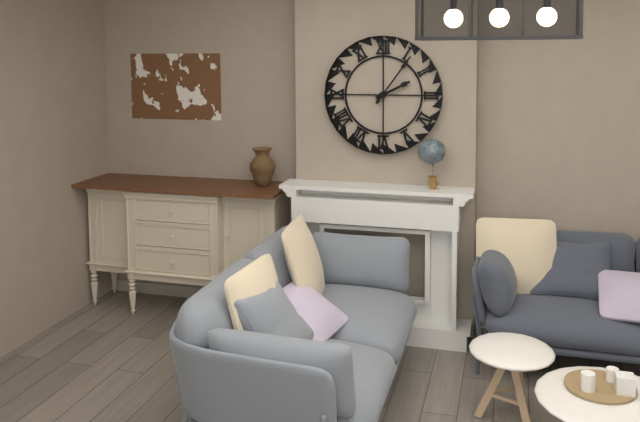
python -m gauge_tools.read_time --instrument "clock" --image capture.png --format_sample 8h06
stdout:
2h06
